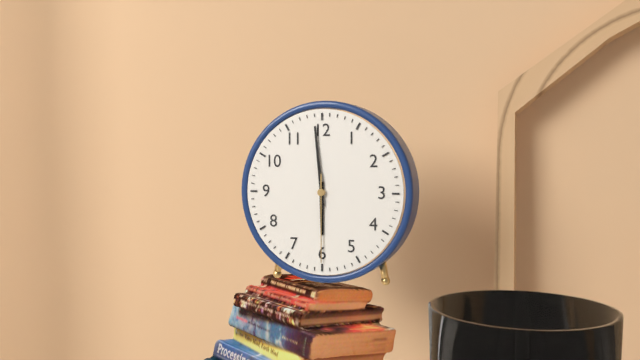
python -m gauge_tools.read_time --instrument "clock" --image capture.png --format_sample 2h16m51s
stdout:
5h59m30s
